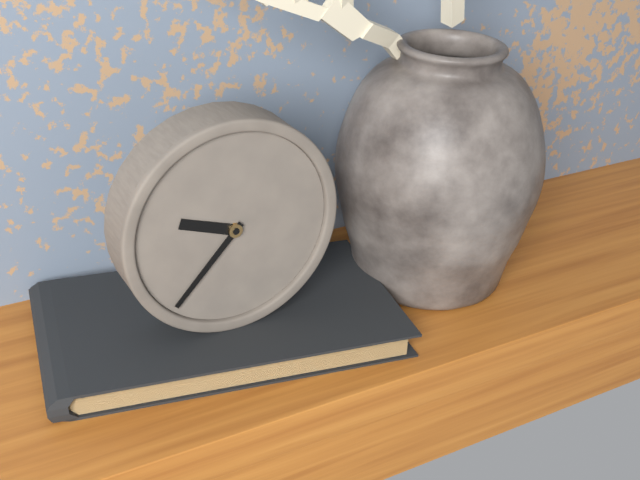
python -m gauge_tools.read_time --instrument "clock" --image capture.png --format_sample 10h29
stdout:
9h37
